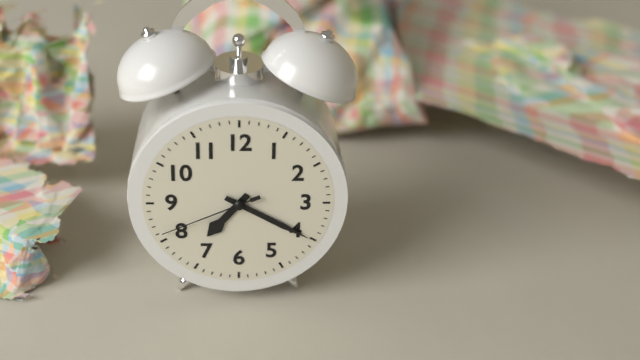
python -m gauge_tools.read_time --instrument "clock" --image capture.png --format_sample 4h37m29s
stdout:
7h20m41s
